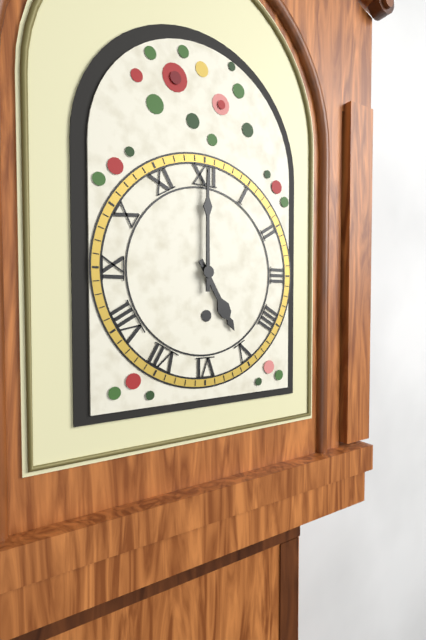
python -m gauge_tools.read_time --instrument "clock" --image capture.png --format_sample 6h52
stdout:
5h00
